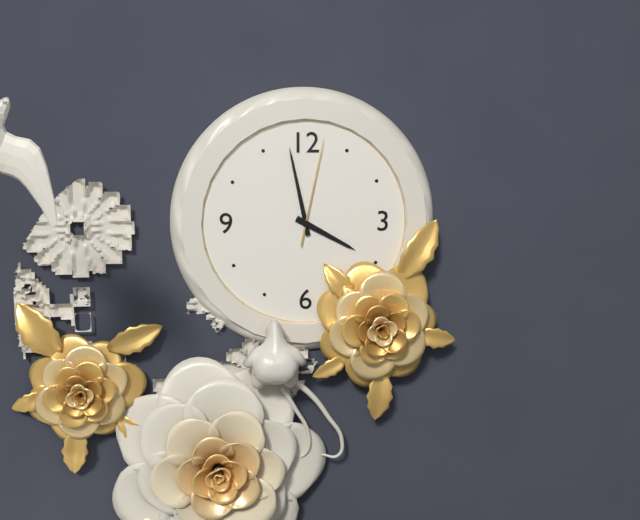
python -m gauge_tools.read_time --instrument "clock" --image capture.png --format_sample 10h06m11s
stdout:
3h58m02s
